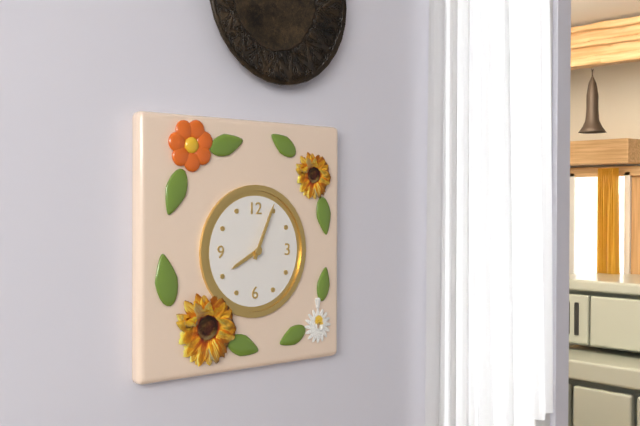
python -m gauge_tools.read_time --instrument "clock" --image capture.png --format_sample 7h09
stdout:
8h04
